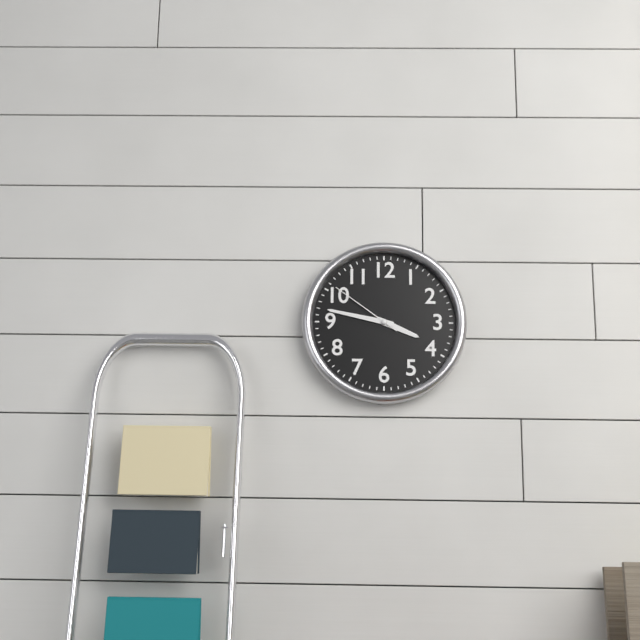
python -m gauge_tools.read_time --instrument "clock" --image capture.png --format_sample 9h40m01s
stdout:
3h47m51s
